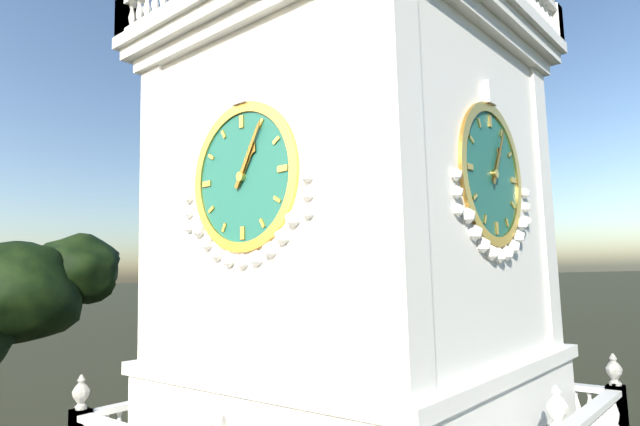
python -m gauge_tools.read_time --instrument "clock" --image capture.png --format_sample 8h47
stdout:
1h05
